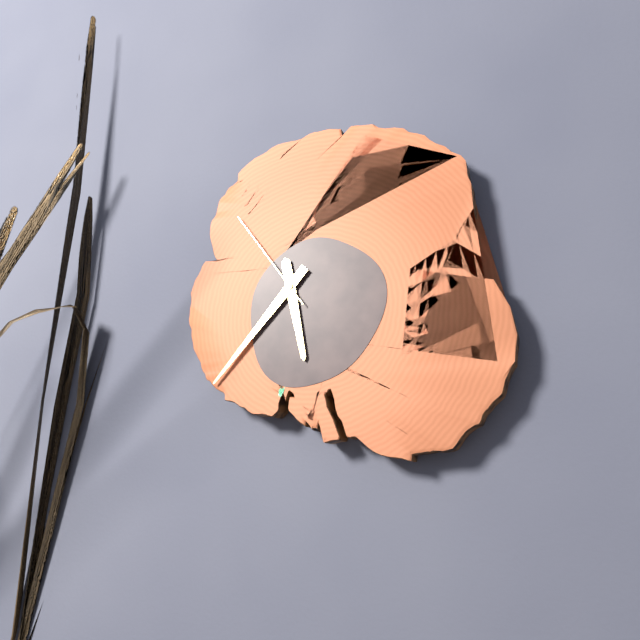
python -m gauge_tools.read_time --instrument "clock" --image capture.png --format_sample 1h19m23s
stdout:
5h37m54s
